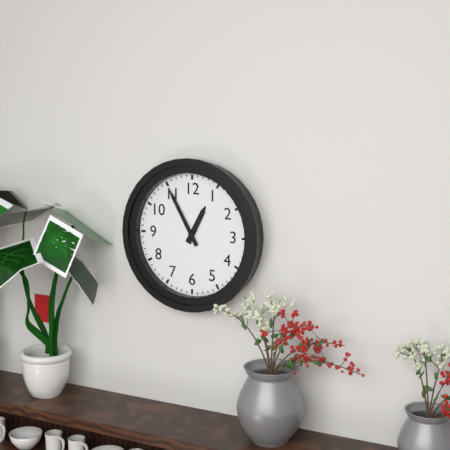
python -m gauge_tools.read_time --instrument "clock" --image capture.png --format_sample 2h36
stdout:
12h55
